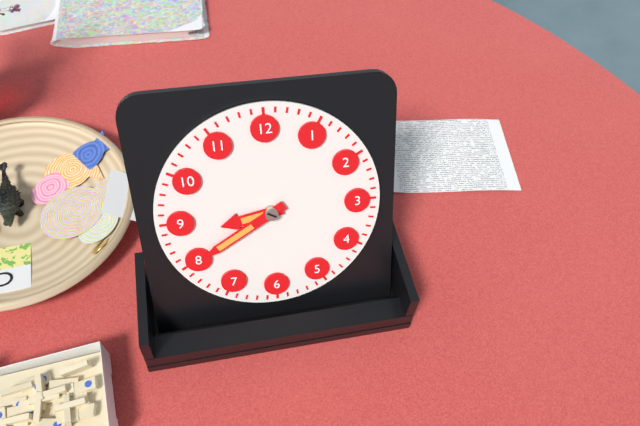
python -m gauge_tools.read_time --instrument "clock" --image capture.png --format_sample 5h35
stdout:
8h40
